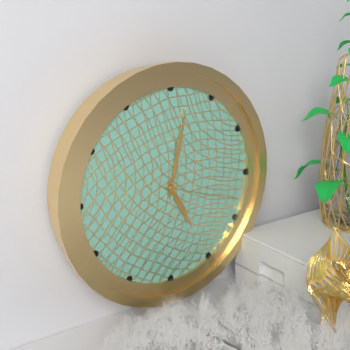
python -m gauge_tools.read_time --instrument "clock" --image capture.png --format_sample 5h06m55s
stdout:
5h02m18s
